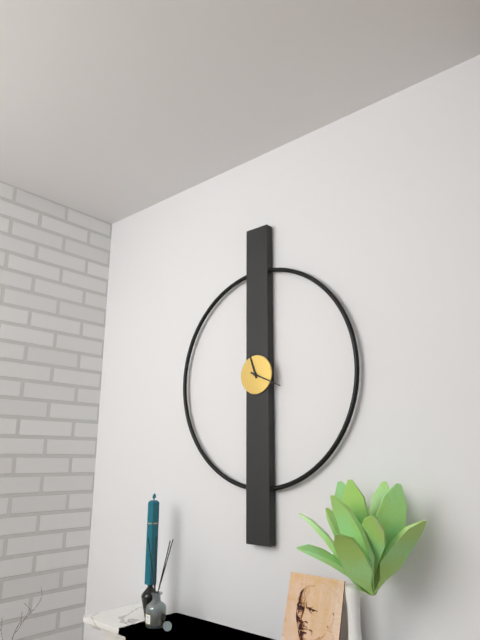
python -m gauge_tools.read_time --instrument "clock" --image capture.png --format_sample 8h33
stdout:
11h19
